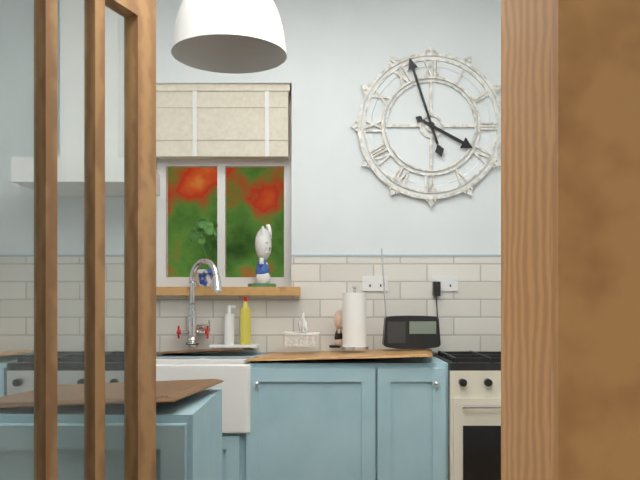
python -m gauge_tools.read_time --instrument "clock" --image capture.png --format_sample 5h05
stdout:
3h57
